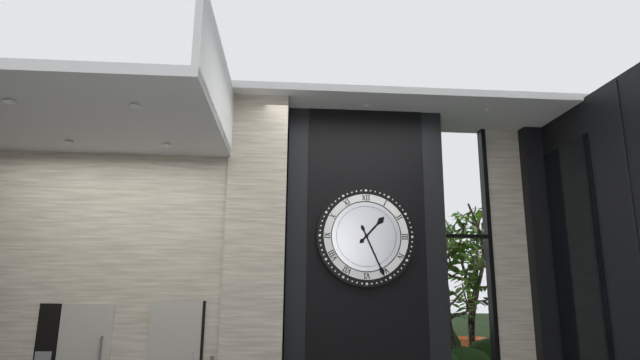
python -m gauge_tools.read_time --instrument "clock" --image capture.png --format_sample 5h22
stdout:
1h26
